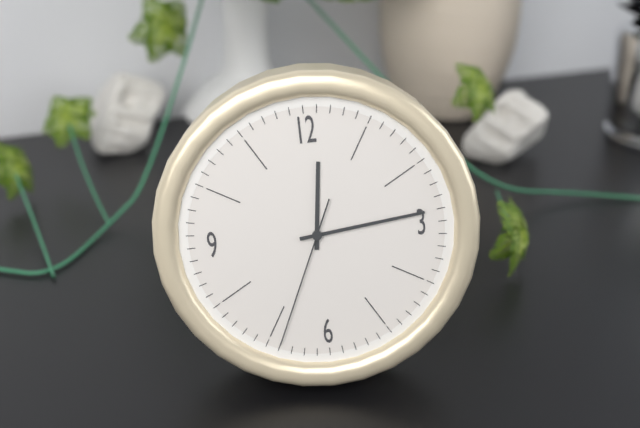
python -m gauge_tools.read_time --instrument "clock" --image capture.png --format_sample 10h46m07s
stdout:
12h14m34s
